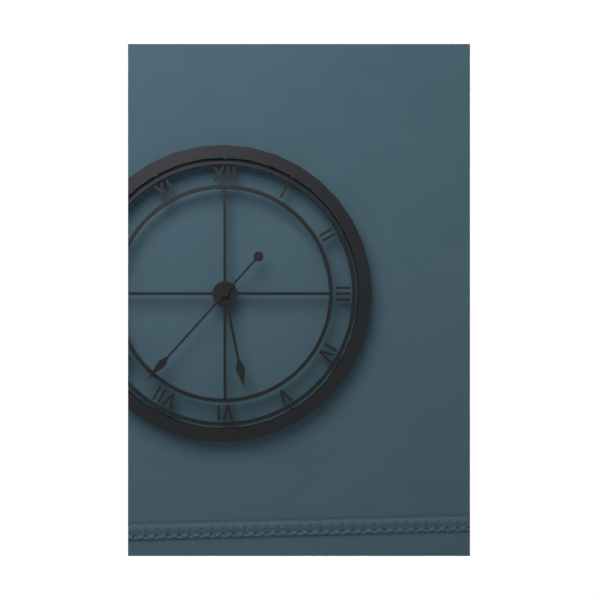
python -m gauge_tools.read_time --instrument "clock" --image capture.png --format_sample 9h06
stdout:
5h37
